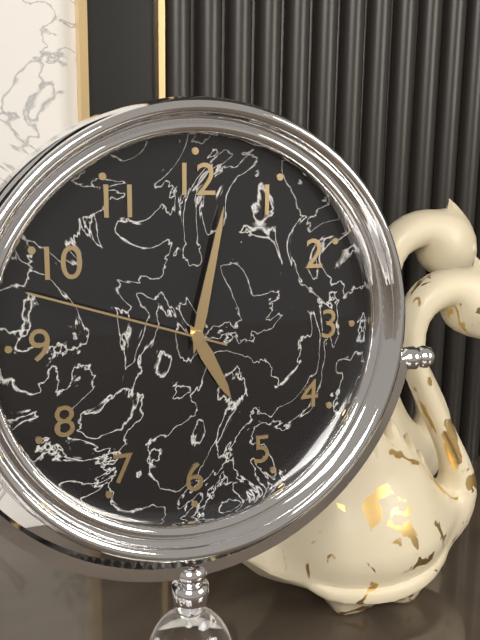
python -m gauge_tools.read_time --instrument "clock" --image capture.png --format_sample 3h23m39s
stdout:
5h02m48s
